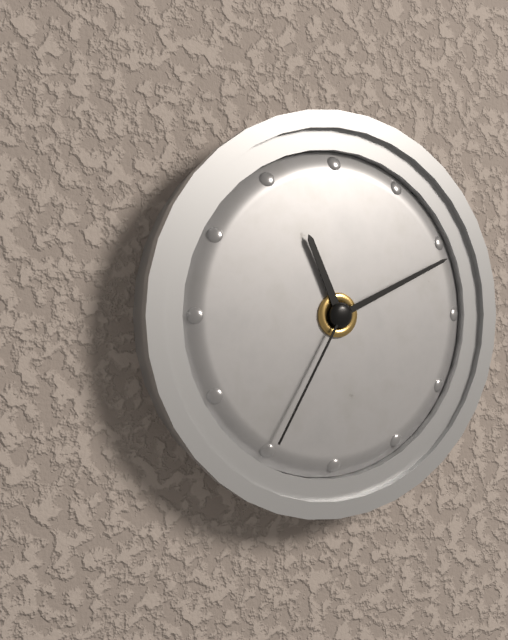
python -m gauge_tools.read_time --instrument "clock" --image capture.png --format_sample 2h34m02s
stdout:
11h11m35s
